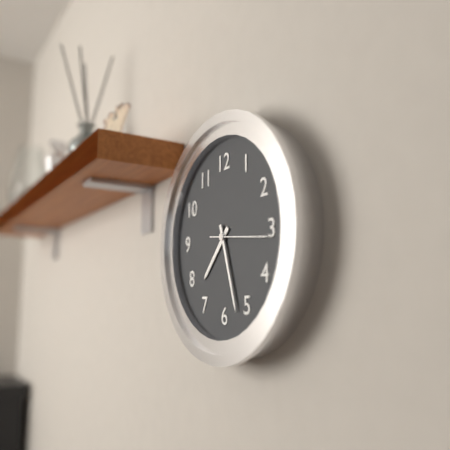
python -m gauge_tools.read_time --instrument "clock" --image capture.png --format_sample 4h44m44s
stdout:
7h27m16s
